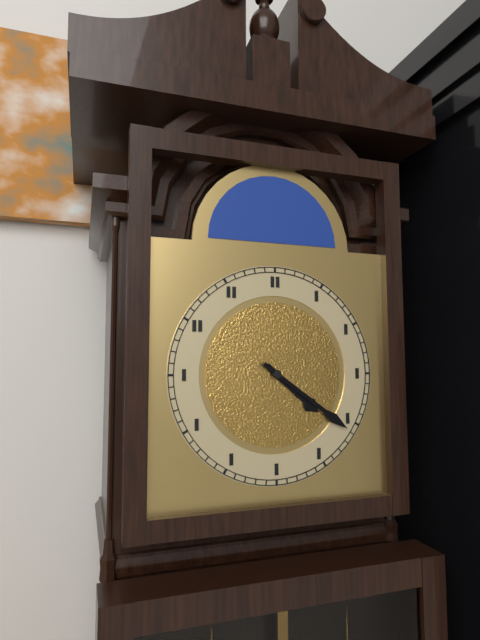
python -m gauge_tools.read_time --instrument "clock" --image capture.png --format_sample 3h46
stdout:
4h21
